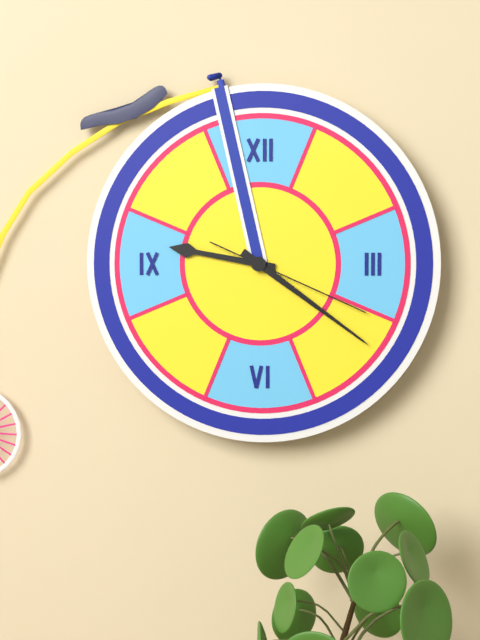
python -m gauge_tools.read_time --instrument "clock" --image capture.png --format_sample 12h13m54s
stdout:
9h21m19s
